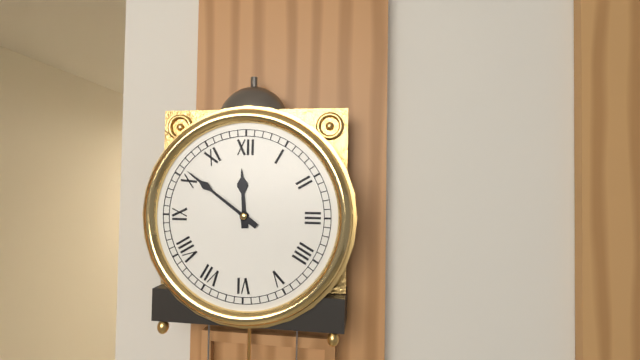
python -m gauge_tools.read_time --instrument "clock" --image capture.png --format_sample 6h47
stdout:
11h51
